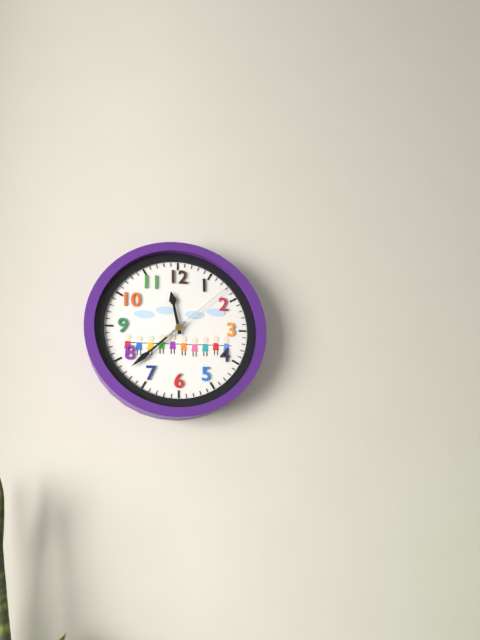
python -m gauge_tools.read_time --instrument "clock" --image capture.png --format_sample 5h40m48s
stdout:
11h38m08s
